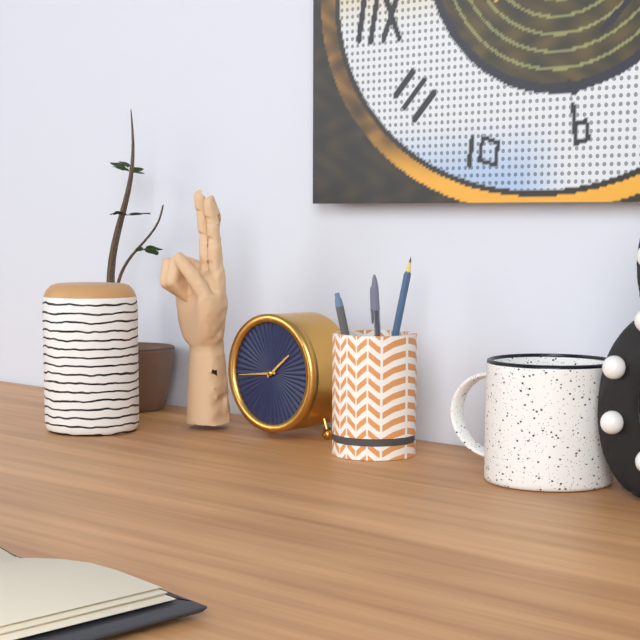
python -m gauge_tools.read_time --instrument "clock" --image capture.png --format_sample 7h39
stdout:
1h44
